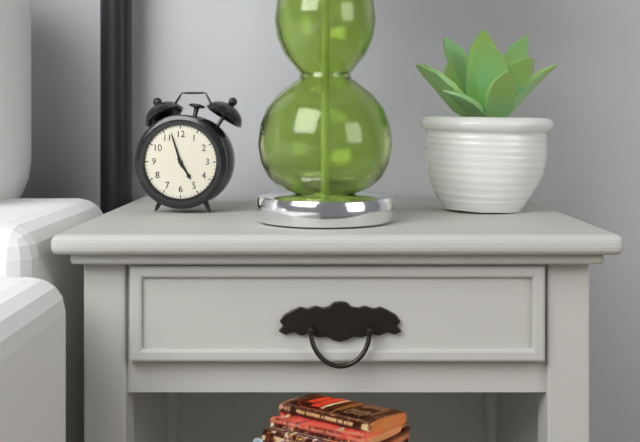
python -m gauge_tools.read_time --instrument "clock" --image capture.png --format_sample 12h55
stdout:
4h57
